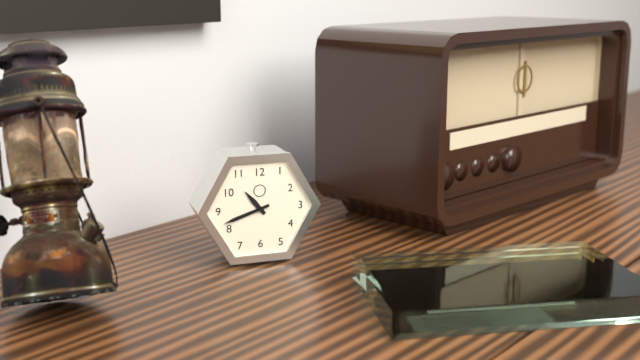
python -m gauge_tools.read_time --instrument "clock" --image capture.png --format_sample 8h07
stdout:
10h42
